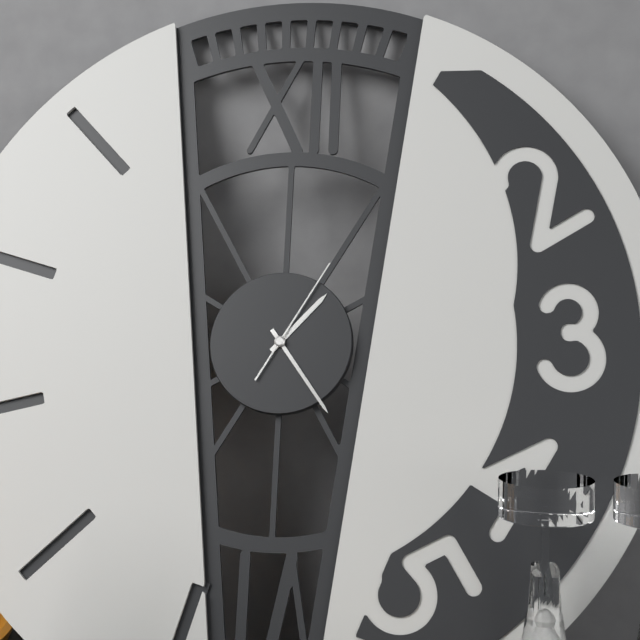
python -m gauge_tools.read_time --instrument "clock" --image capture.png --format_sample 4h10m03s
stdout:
1h24m05s
